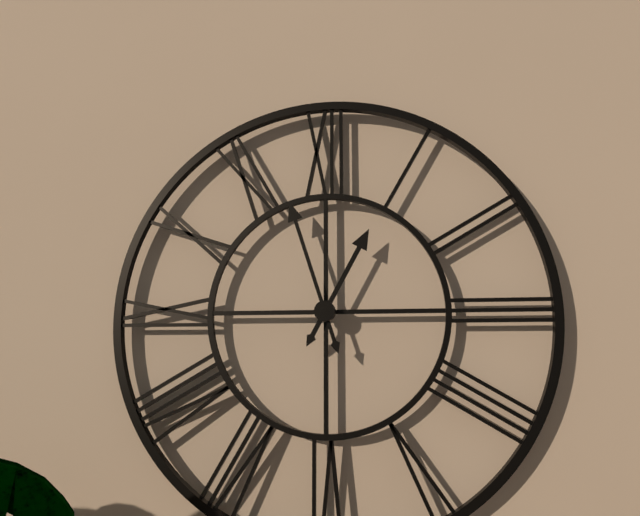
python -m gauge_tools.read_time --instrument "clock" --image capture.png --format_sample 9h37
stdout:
12h57
